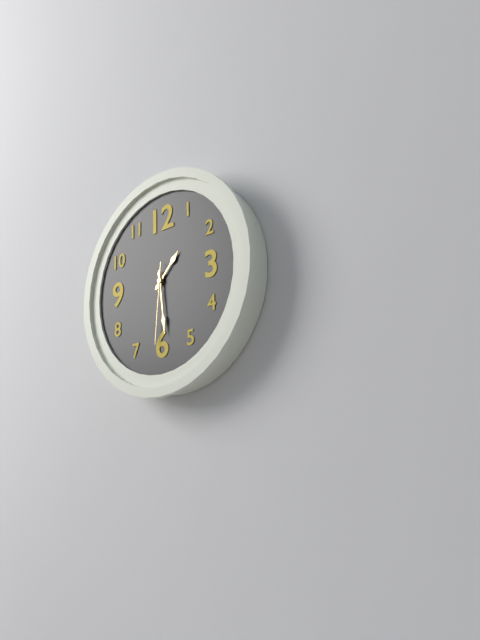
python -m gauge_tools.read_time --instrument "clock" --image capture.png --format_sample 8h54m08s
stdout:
1h29m31s
